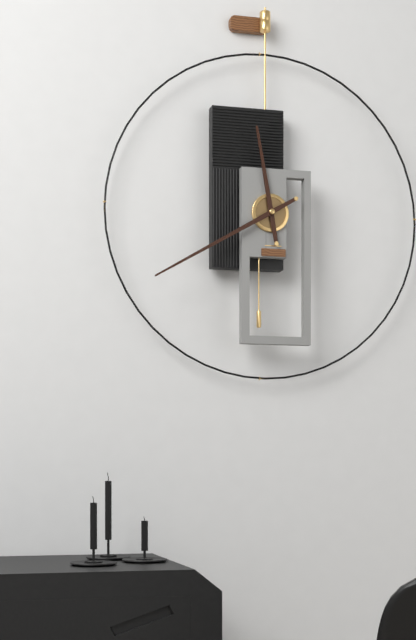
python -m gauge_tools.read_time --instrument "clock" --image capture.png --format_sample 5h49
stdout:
11h40
